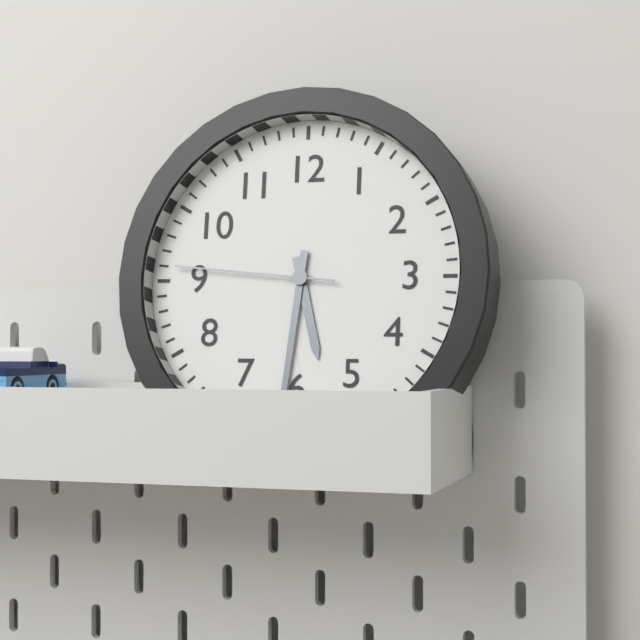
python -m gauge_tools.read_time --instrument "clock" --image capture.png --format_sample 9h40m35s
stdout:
5h31m46s
